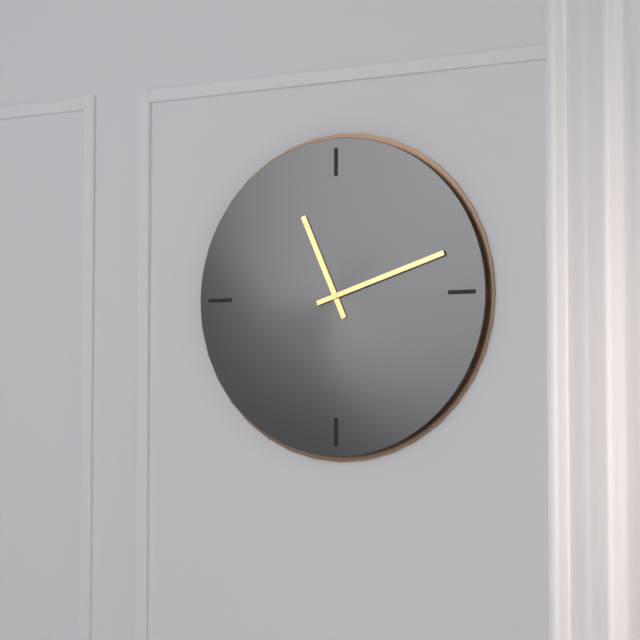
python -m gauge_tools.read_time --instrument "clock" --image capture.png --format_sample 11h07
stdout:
11h12
